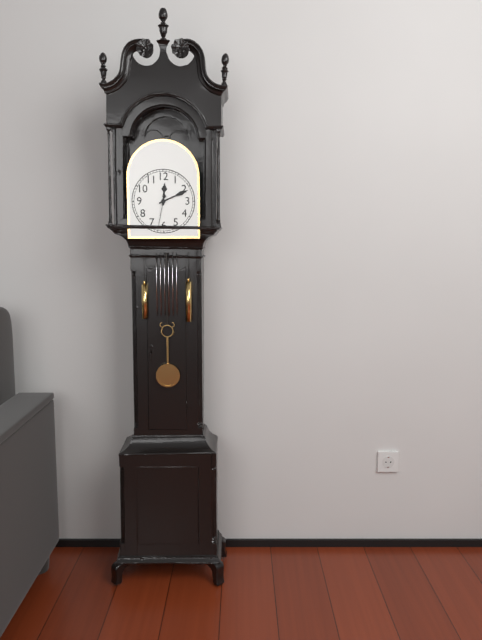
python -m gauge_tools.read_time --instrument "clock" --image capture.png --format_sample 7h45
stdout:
12h11
